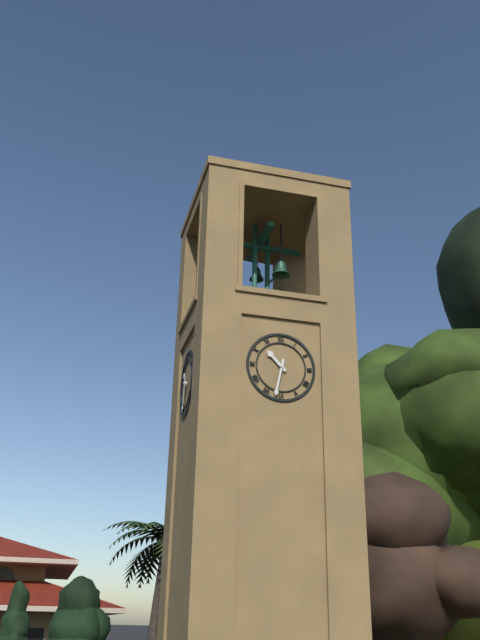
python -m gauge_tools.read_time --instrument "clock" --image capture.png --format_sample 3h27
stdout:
10h32
